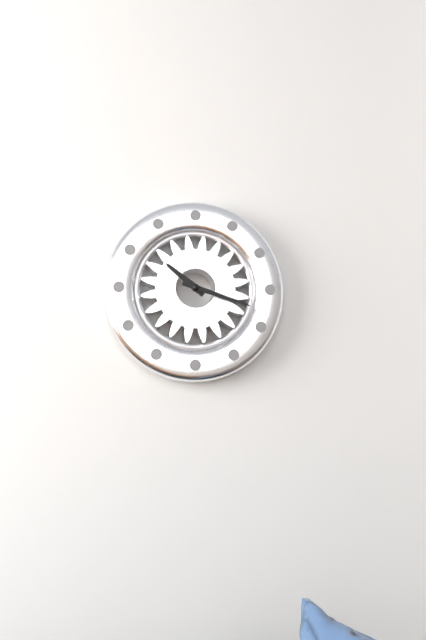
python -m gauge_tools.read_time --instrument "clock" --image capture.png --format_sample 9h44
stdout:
10h18
